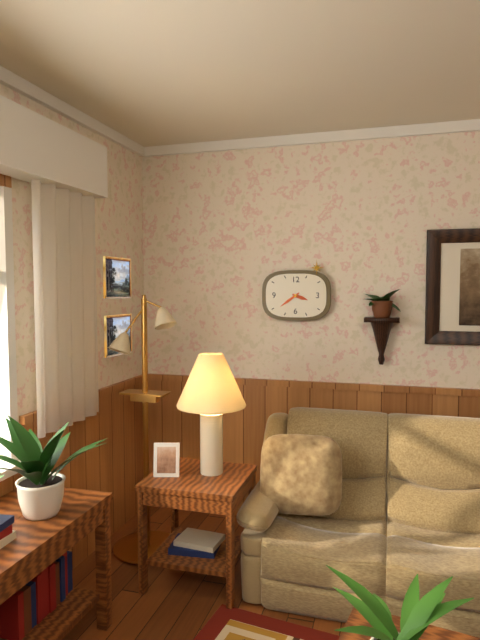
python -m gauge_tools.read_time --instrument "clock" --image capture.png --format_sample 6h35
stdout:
3h39
